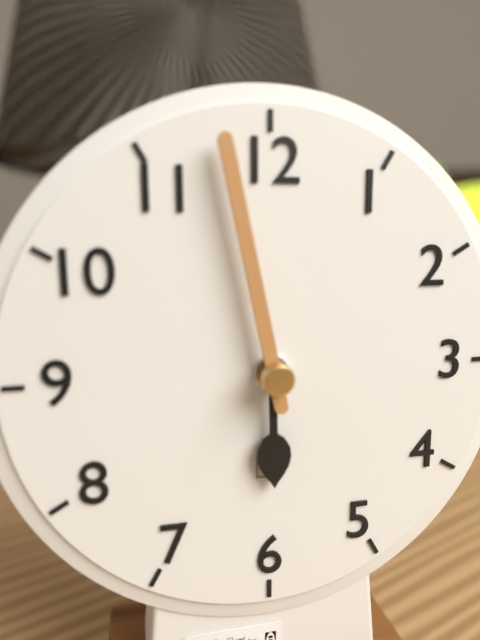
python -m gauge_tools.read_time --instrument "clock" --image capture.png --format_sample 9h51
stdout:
5h58
